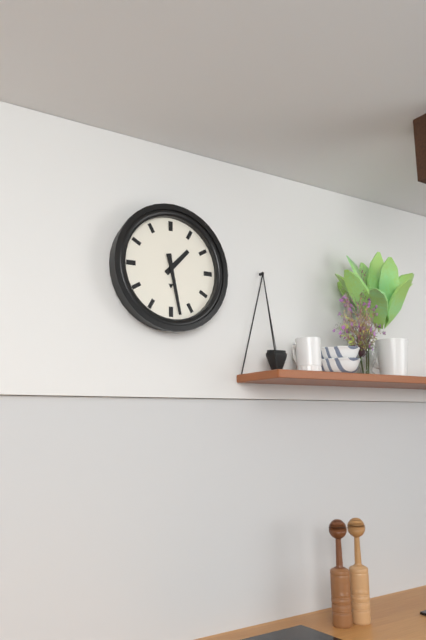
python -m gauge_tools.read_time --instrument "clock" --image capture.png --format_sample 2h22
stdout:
1h28
